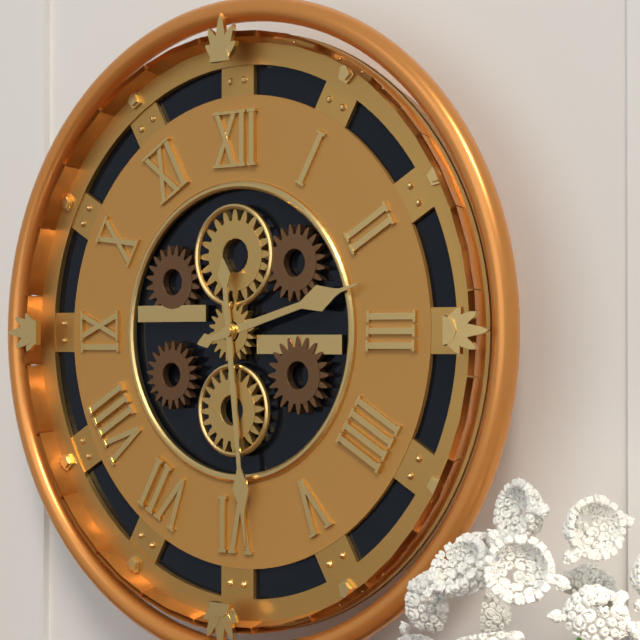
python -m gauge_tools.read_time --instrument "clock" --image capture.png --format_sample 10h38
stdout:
2h29
